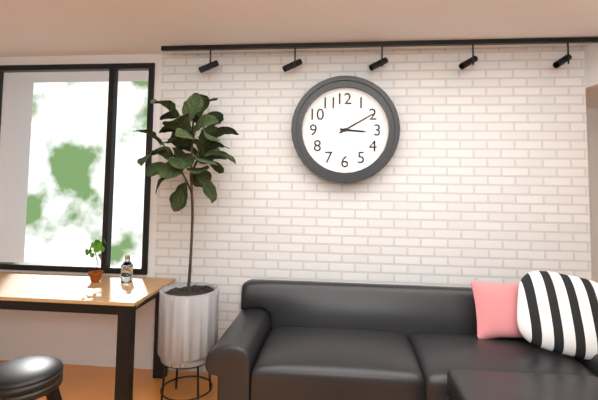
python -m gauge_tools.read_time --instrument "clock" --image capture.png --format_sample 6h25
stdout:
3h10
